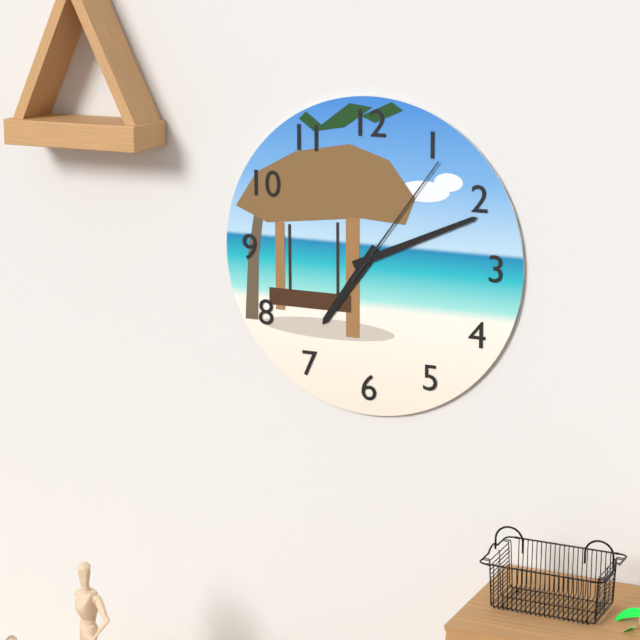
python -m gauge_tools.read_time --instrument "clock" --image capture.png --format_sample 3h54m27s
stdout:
7h11m06s
